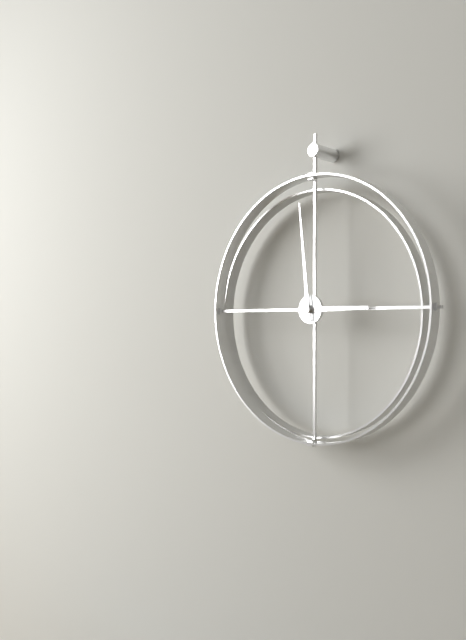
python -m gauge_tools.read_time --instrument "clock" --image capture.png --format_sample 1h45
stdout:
2h59
